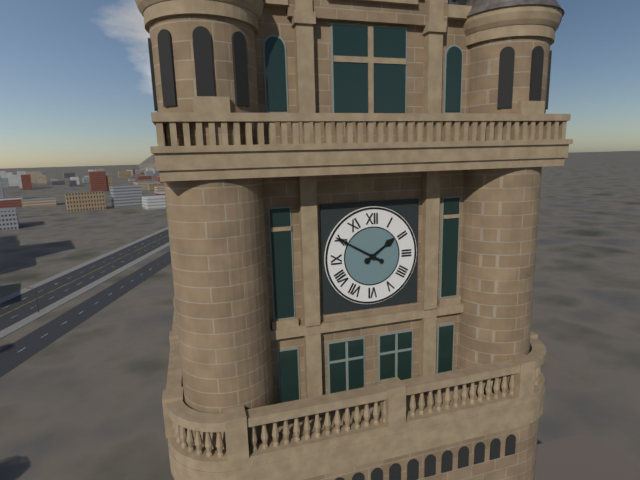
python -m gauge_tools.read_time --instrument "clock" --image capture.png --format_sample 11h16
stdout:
1h50
